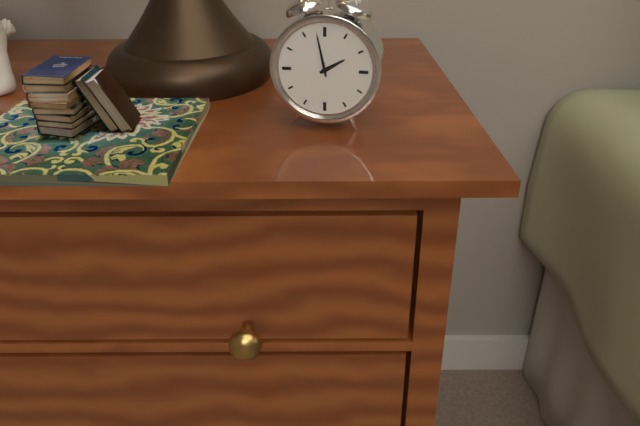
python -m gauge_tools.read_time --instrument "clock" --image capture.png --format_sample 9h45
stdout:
1h58
